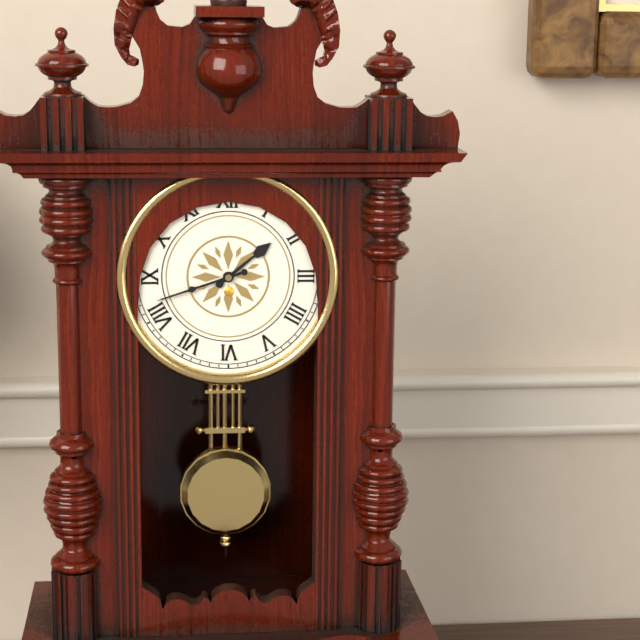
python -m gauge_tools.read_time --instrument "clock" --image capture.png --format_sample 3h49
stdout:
1h42
